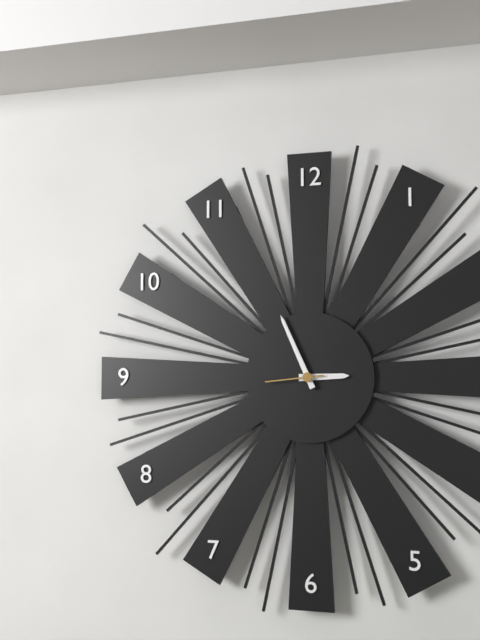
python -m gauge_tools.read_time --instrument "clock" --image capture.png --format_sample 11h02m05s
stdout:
2h56m44s
